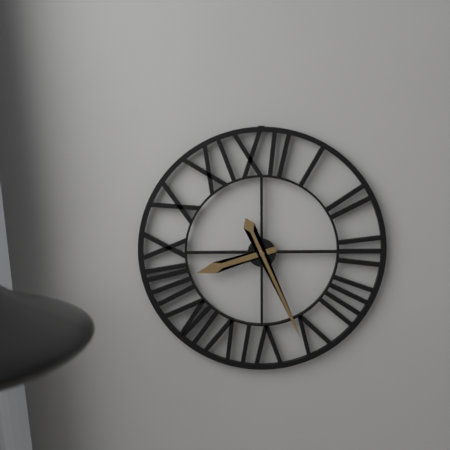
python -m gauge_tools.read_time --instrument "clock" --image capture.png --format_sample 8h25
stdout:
8h26
